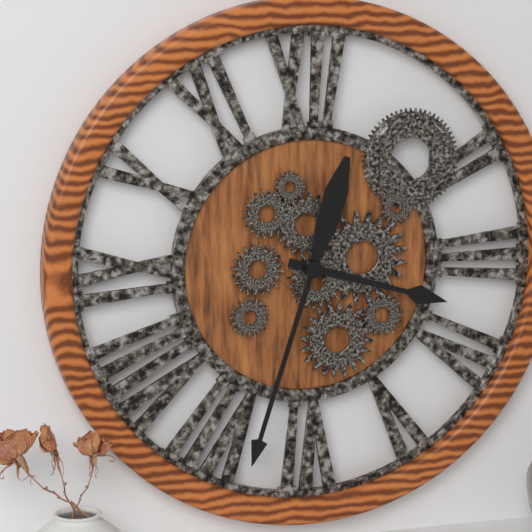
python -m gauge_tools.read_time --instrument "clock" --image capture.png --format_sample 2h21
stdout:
3h33
